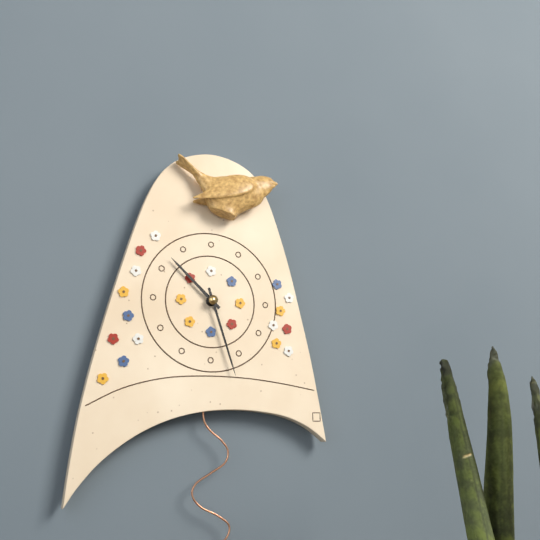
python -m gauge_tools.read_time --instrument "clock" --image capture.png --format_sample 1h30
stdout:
10h27
